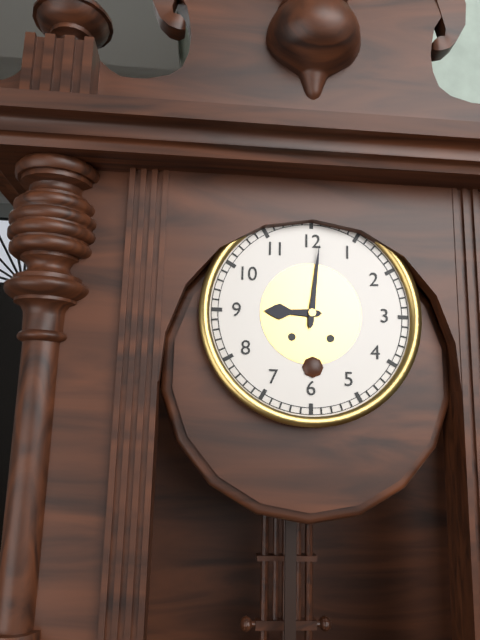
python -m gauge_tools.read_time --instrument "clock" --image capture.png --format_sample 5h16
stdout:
9h01
